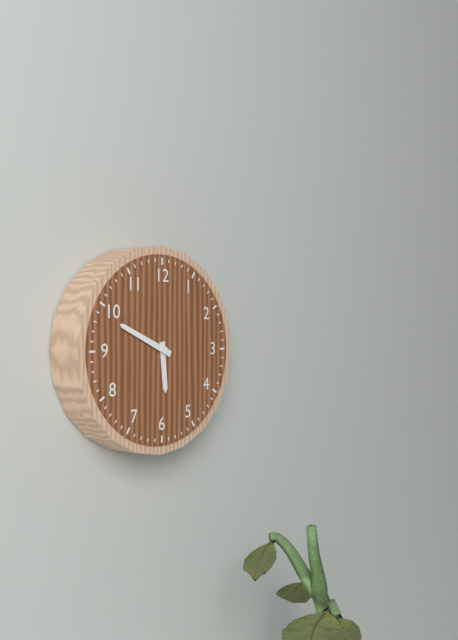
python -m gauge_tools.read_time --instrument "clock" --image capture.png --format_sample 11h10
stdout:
5h49
